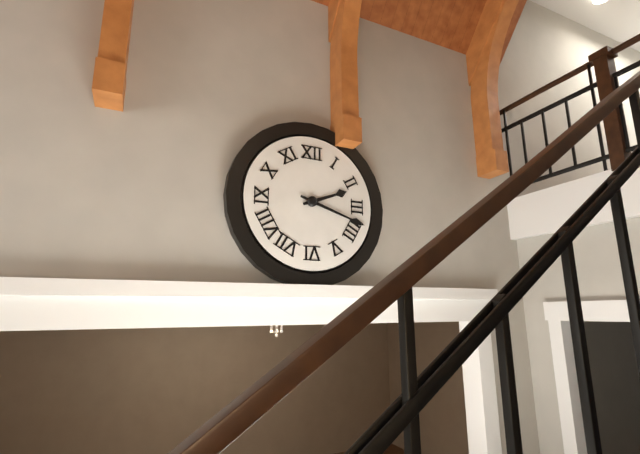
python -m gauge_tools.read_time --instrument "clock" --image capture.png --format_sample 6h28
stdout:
2h18
